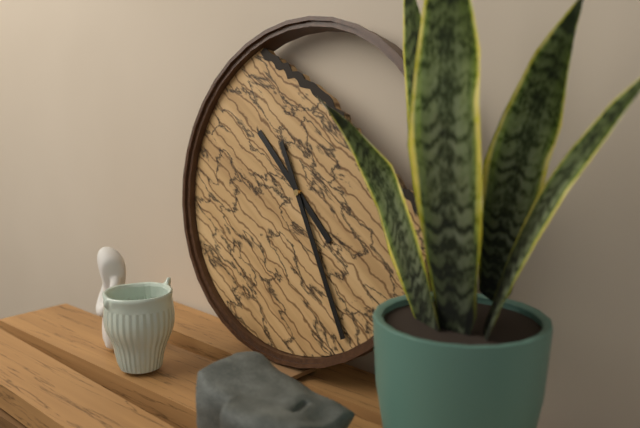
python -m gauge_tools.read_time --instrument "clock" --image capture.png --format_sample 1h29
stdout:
10h25
